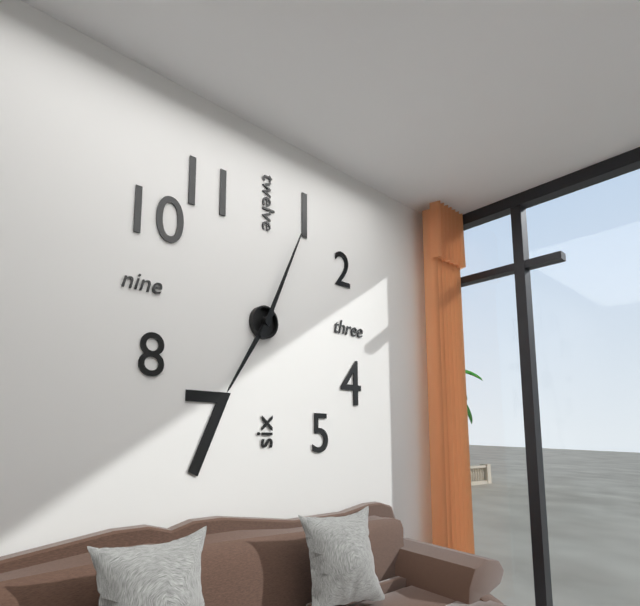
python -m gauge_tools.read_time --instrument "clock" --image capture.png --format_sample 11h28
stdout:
7h04
